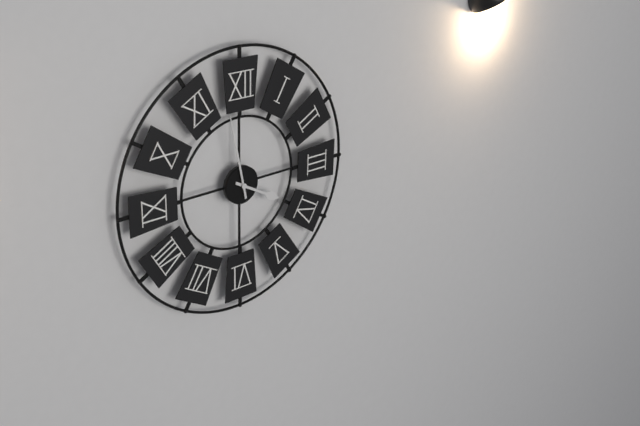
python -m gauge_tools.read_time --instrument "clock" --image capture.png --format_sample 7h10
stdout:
3h58
